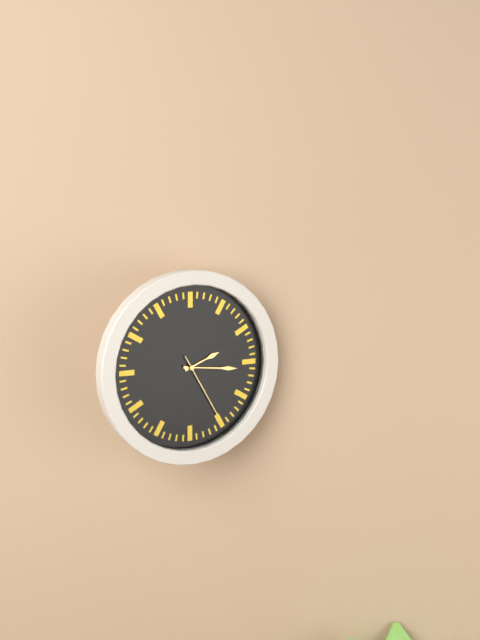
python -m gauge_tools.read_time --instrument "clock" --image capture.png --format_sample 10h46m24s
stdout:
2h16m25s
